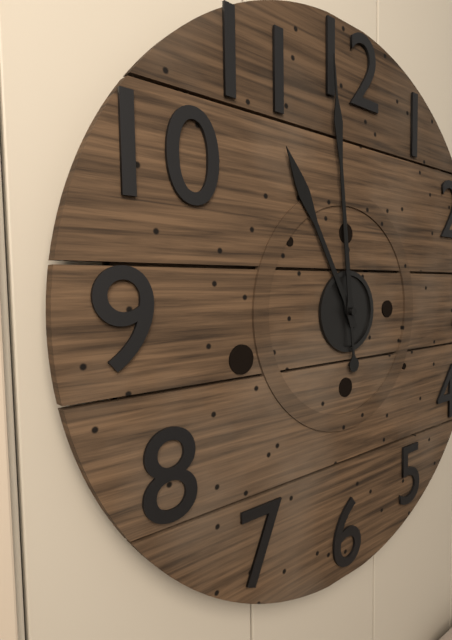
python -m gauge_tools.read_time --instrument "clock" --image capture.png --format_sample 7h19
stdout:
10h59
